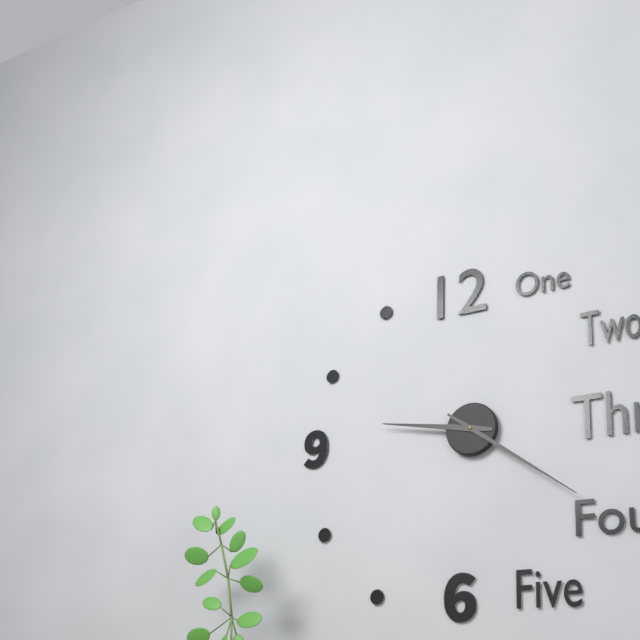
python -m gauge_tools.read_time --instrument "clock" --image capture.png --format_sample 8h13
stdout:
9h21
